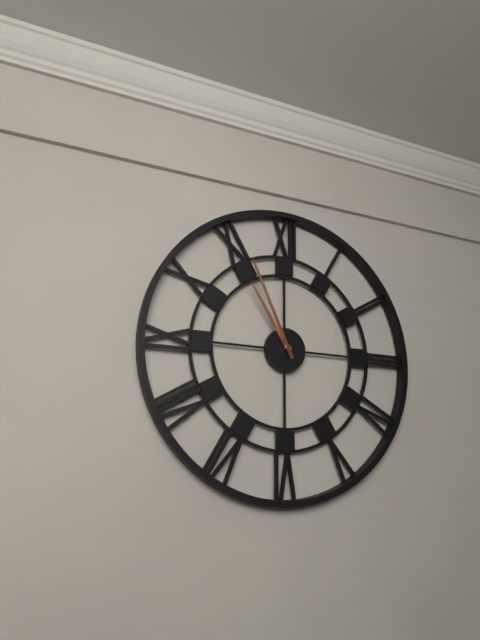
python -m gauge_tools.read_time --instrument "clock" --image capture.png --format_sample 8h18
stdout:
10h56
